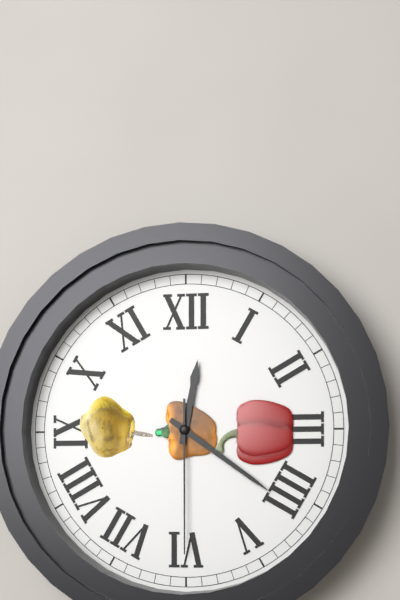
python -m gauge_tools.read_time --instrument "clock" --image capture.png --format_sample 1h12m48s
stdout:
12h21m30s
